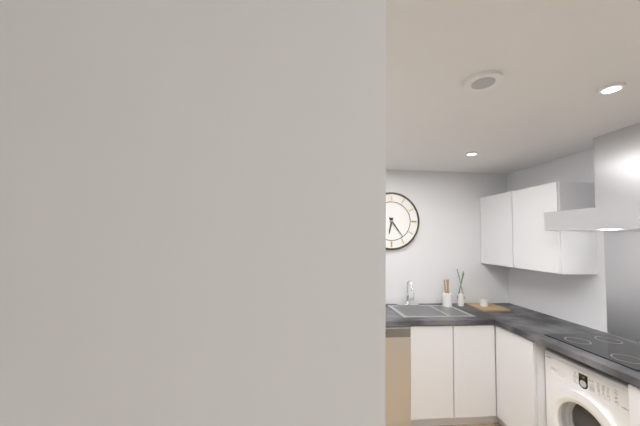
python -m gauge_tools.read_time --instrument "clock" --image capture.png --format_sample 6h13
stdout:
6h24
